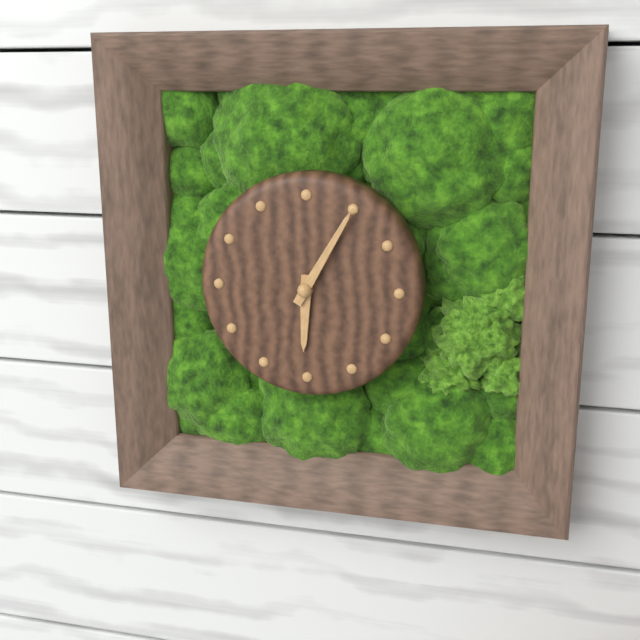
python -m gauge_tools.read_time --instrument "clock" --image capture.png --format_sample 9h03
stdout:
6h05
